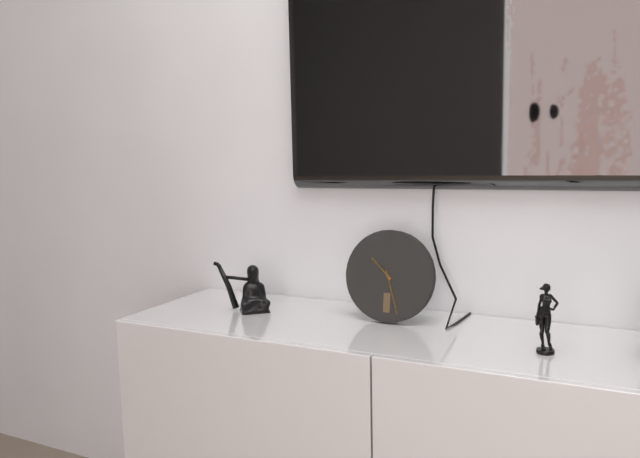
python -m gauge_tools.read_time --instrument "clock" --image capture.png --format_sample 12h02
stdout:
10h27
